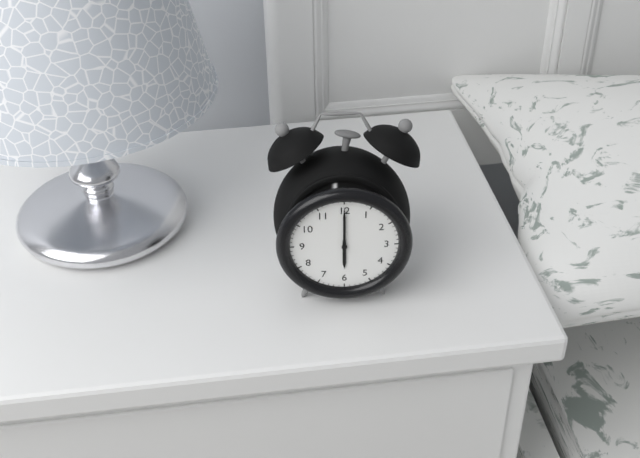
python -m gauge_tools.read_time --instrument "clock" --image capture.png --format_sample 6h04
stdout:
6h00
